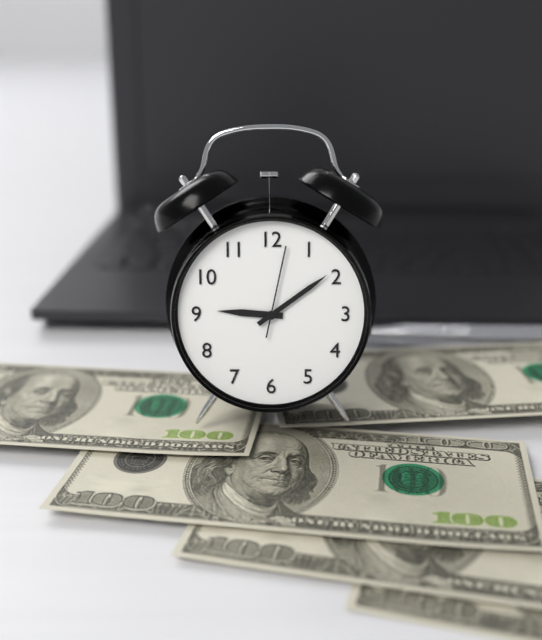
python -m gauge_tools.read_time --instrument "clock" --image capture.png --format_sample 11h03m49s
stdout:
9h09m02s
